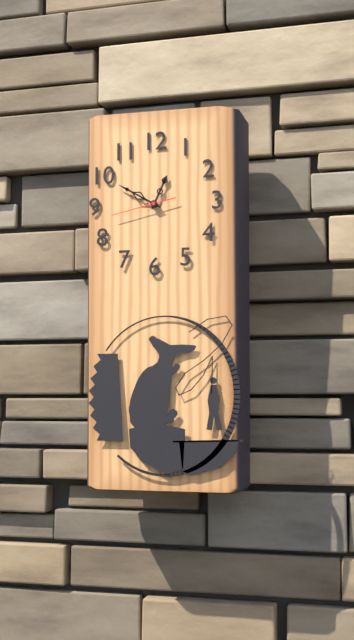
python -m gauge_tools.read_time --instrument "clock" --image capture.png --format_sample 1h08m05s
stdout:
12h50m43s
